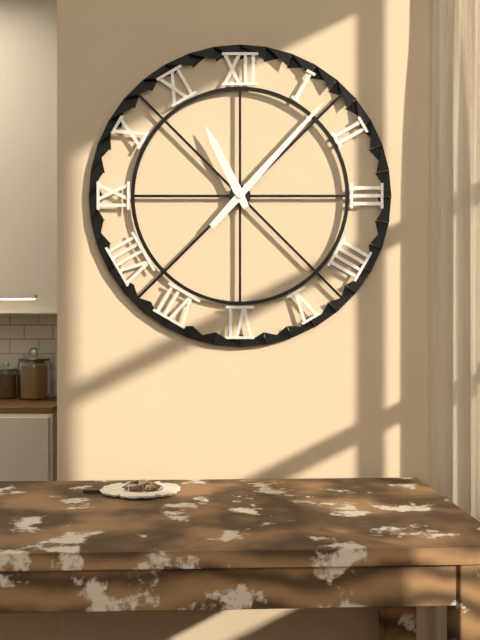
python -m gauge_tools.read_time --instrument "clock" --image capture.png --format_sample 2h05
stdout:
11h07
